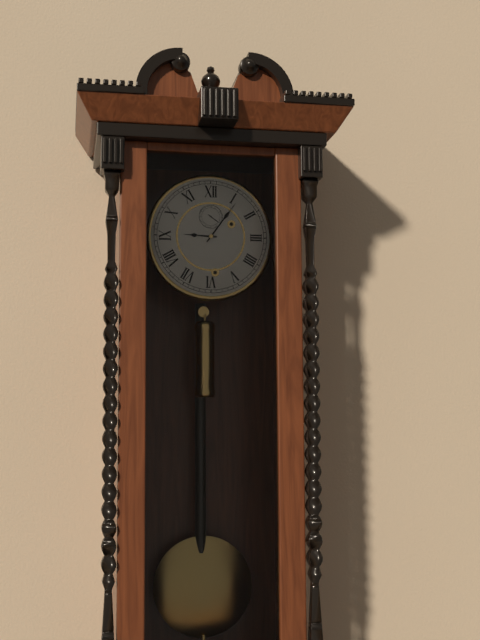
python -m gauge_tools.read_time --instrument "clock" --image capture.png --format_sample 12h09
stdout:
9h06
